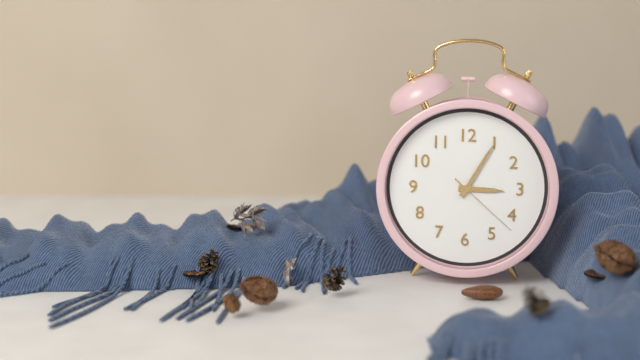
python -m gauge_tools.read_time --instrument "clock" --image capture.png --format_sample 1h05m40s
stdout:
3h05m22s
